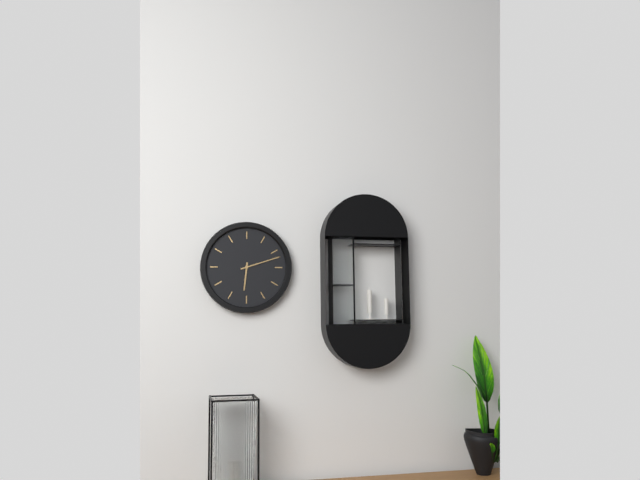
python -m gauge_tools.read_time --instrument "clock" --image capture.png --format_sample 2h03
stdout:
6h12
